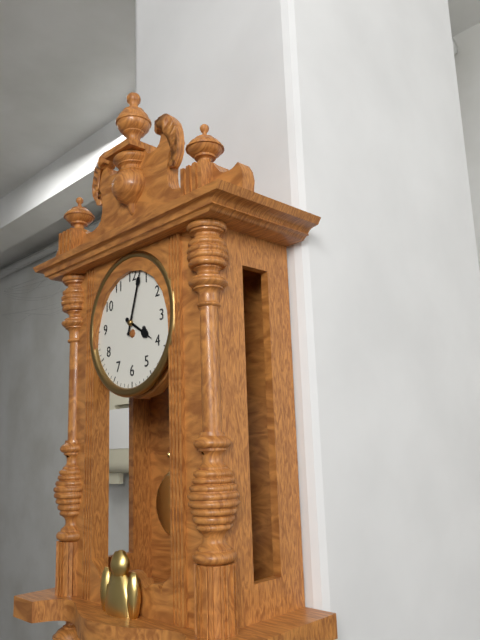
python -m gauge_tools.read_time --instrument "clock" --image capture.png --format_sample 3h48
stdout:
4h03
